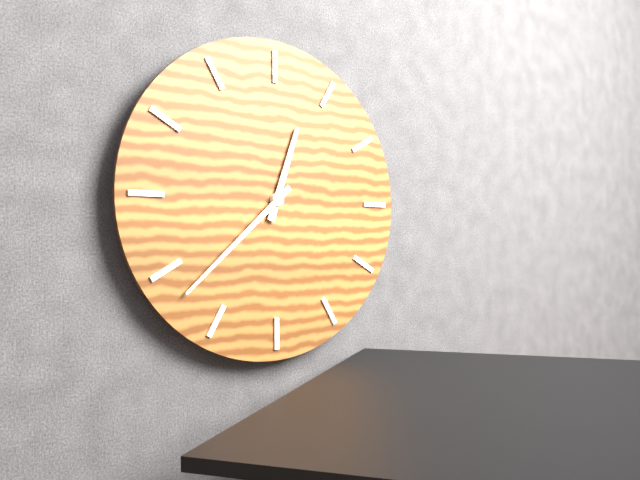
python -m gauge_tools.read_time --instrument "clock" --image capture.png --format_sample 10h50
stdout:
12h38
